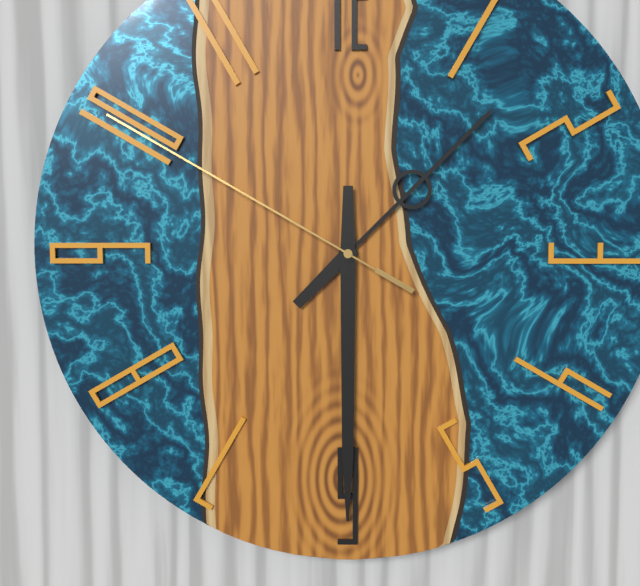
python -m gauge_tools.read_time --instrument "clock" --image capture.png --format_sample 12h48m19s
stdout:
1h30m50s
